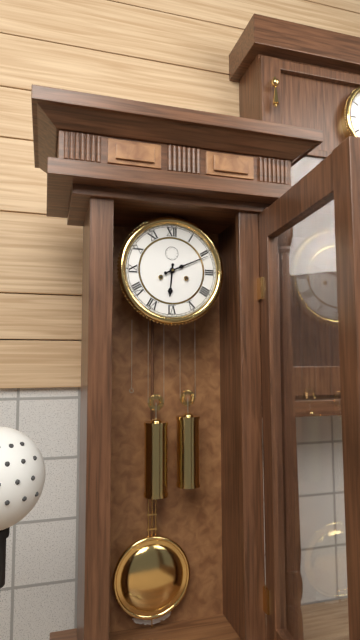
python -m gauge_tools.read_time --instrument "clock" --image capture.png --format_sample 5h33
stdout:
6h11
